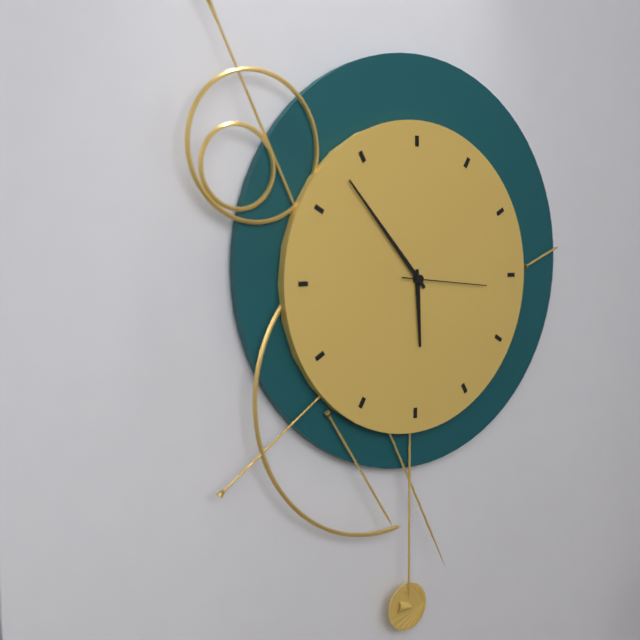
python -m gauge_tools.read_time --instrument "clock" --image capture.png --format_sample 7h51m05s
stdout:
5h53m16s
